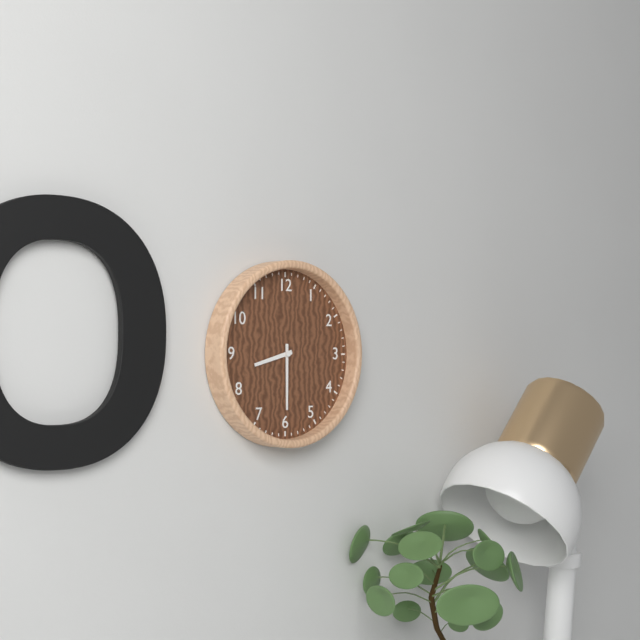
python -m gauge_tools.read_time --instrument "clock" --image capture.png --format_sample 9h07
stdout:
8h30
